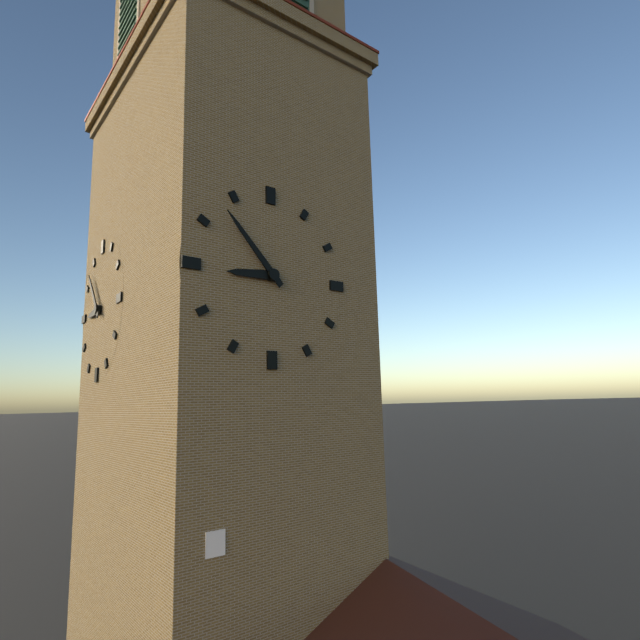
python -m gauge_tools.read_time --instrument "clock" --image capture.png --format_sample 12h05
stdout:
8h53
